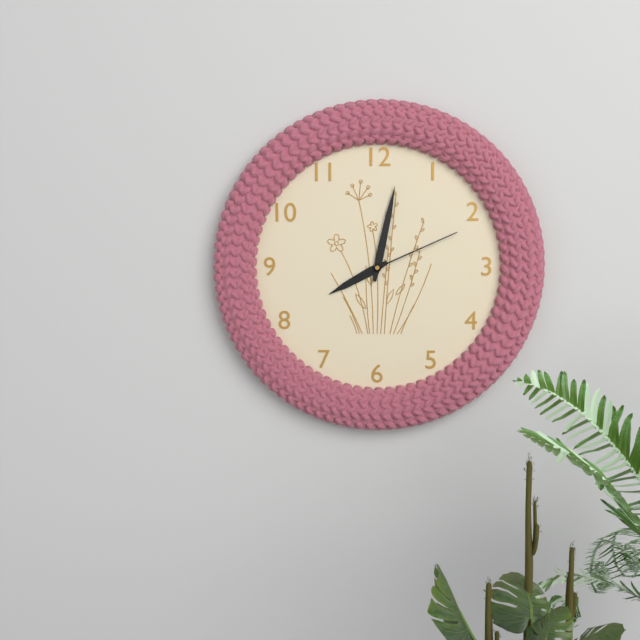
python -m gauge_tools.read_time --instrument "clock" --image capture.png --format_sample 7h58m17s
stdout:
8h02m11s
